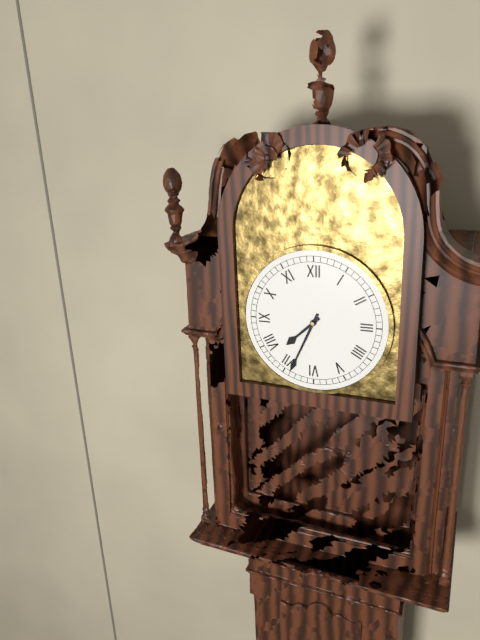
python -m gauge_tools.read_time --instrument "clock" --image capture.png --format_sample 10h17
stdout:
7h34
